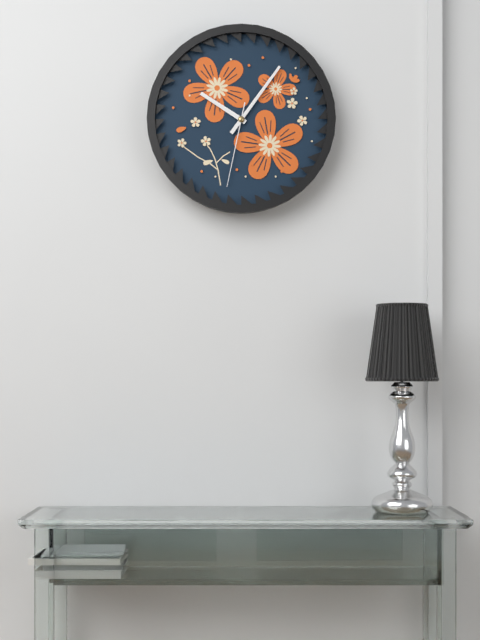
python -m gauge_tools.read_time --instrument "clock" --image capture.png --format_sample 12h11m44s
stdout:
10h06m32s
